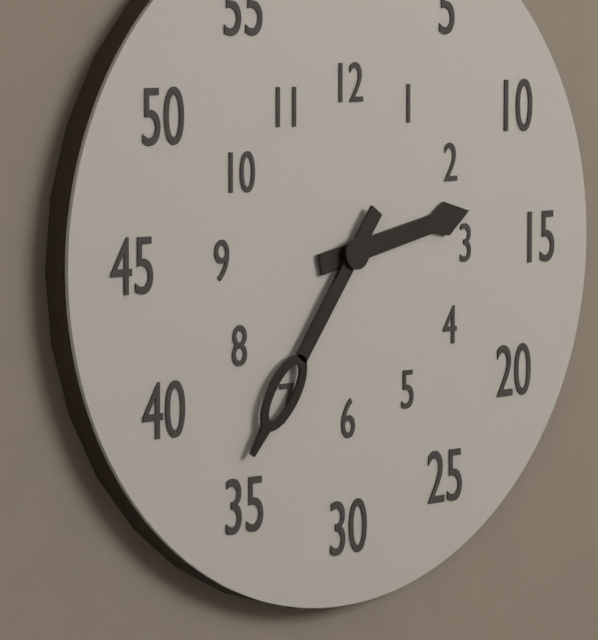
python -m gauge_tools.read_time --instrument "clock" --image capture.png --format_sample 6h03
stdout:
2h36
